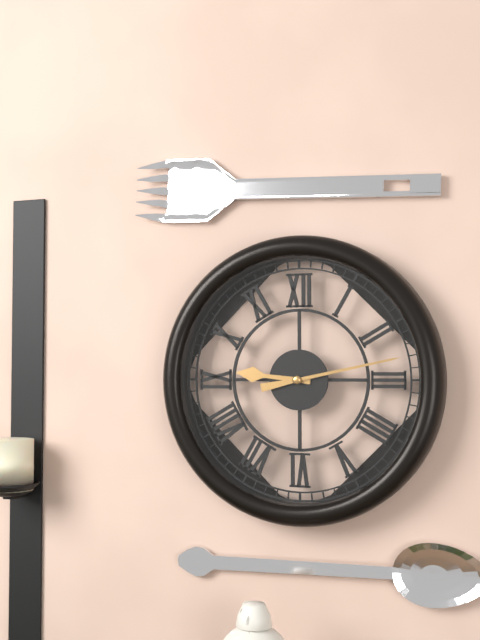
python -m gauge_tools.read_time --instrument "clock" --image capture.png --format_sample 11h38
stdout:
9h13
